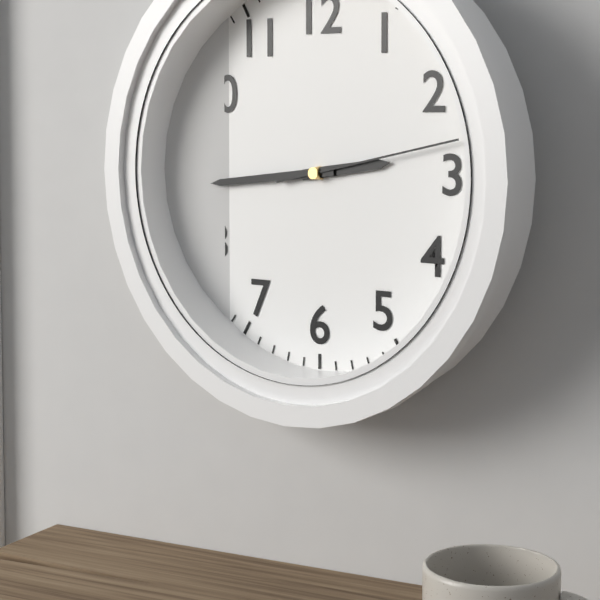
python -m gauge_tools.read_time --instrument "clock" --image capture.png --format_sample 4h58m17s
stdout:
2h44m13s
